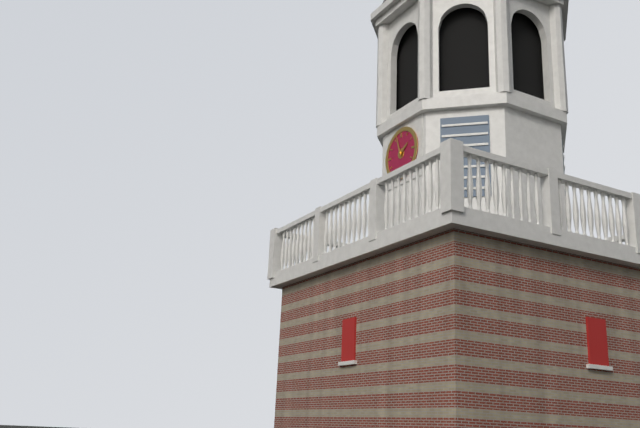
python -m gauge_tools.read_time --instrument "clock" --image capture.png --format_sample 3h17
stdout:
1h57
